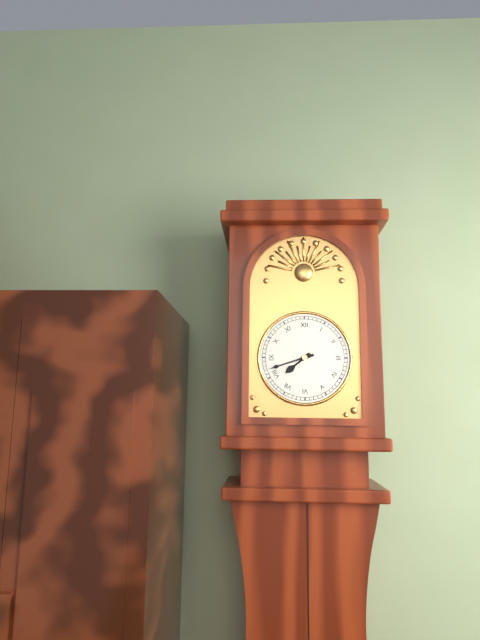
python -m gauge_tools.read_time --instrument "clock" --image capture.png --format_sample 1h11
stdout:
7h42
